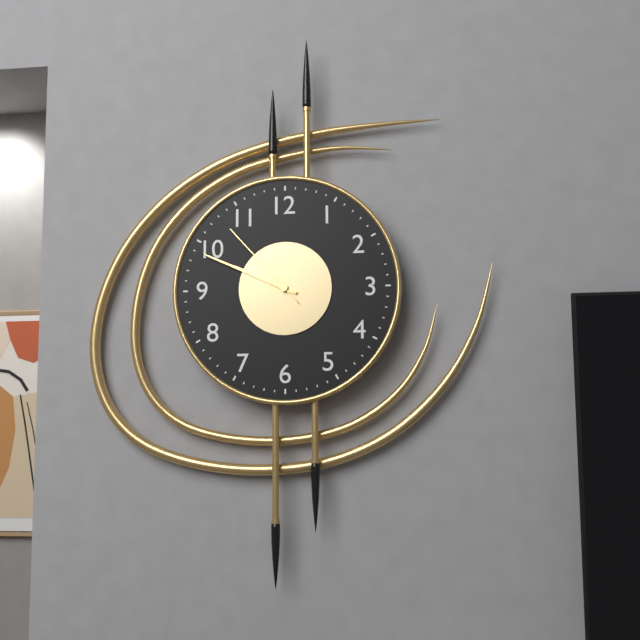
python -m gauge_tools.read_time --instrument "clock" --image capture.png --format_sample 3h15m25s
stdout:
9h49m53s
